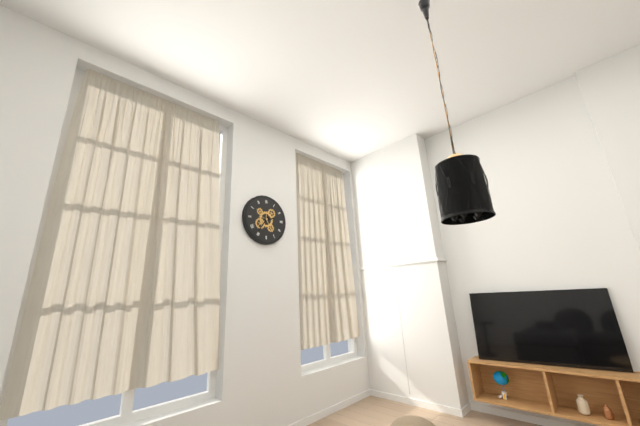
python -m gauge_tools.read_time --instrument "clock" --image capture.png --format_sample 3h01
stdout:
2h36
